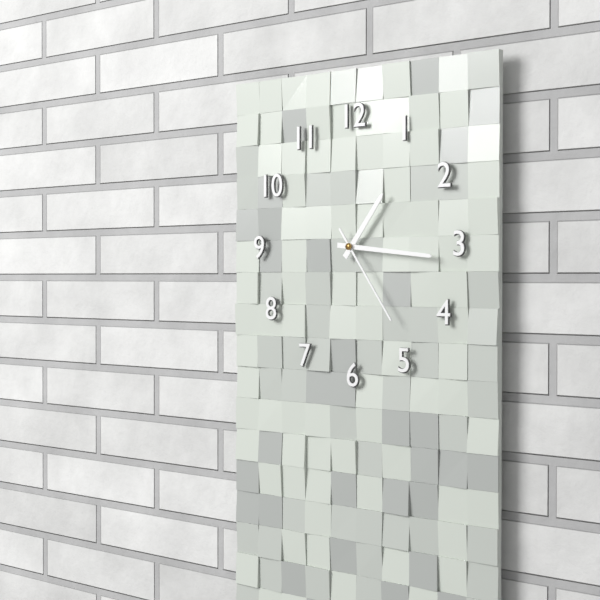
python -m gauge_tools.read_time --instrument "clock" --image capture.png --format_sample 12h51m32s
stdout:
1h16m24s
